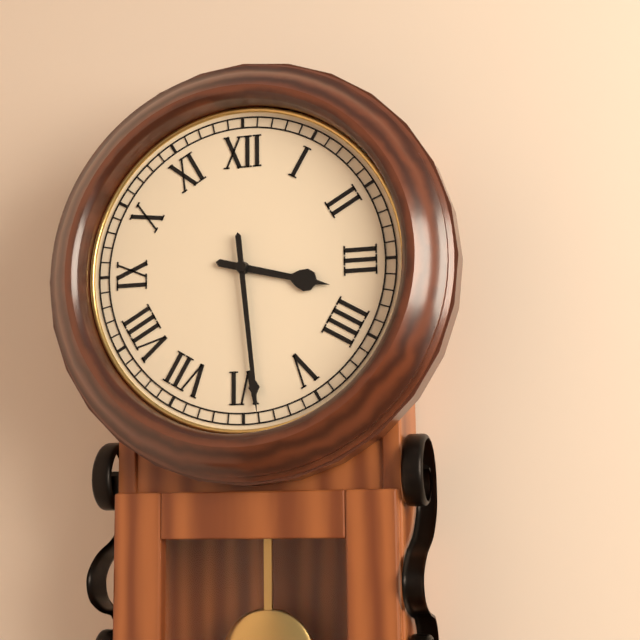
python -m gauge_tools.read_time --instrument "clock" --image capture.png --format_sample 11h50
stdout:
3h29
